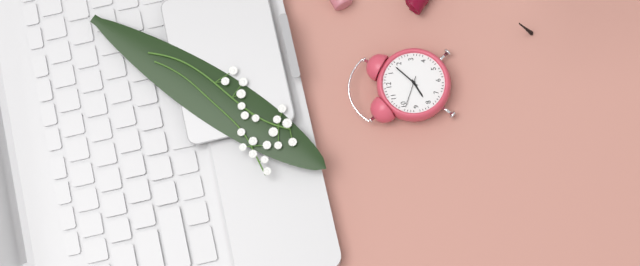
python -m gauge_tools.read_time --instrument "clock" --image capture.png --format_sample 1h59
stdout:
8h08
